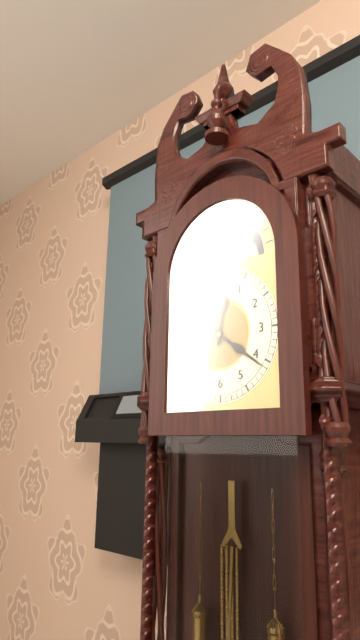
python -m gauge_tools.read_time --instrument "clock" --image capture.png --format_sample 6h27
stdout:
12h21
